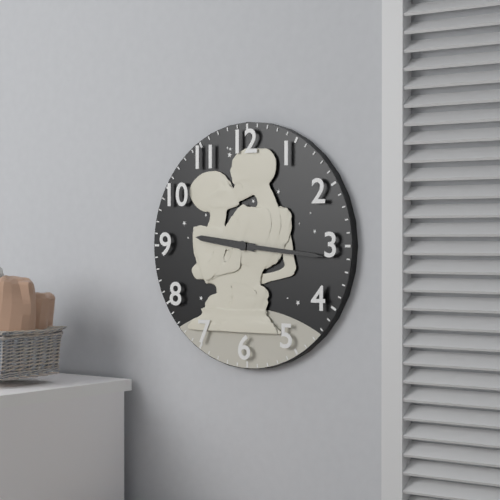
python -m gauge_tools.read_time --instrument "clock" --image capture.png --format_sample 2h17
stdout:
9h16
